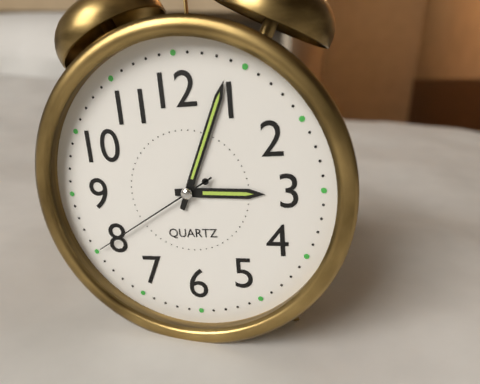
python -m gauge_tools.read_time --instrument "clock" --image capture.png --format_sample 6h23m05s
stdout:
3h04m40s
